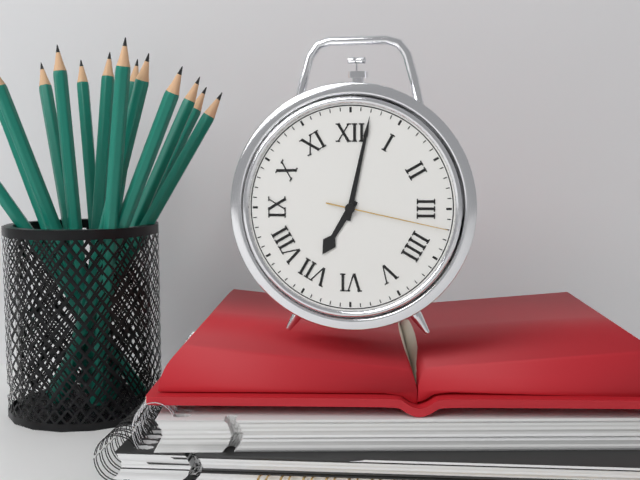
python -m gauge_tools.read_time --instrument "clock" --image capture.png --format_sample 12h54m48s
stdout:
7h02m17s
